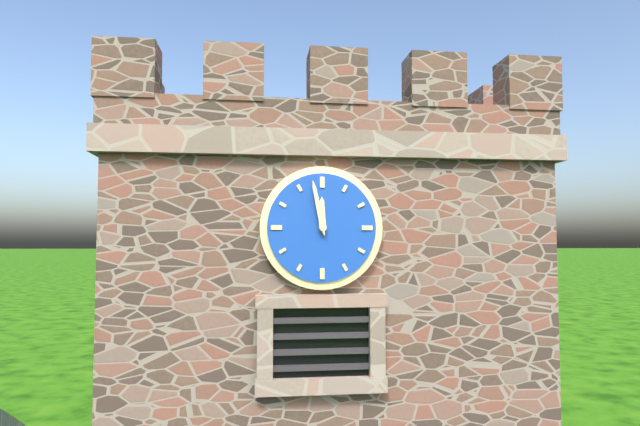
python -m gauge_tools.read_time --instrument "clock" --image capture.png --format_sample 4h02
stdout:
11h58
